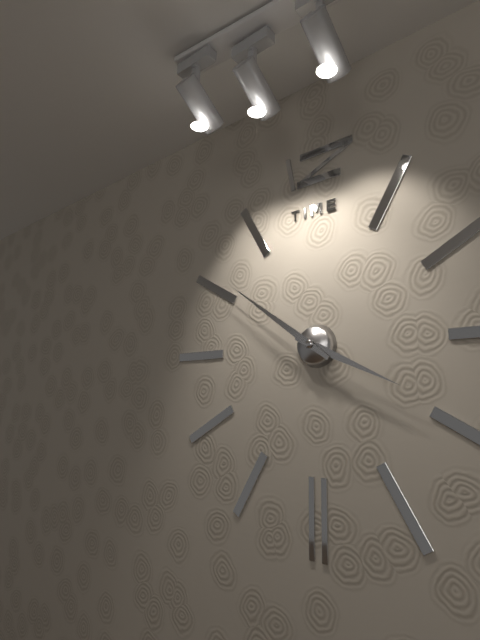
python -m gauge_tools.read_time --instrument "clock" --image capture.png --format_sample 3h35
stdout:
3h51
